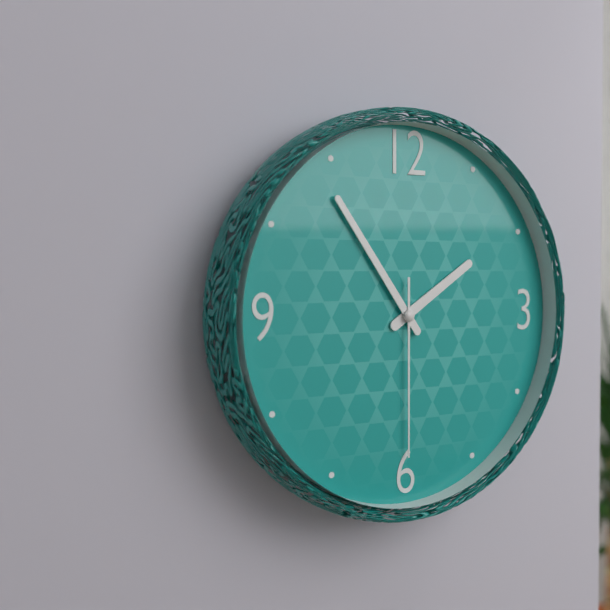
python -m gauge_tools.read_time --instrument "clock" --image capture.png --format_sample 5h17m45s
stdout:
1h54m30s
